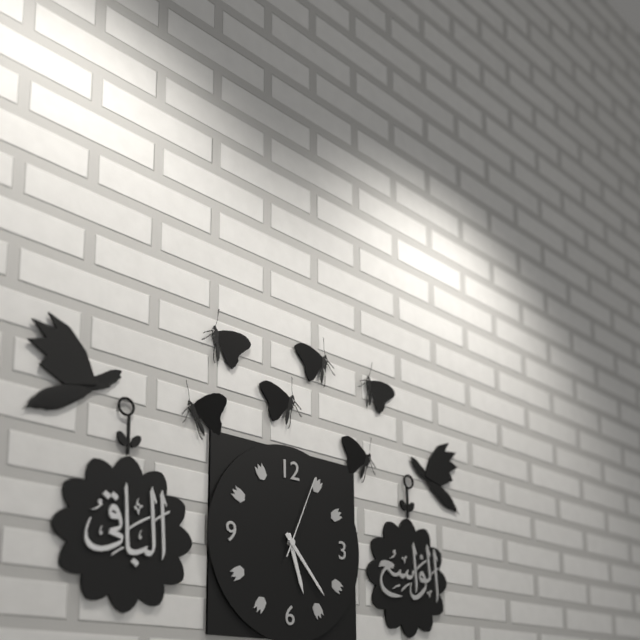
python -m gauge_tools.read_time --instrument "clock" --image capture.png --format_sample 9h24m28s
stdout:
5h23m04s
